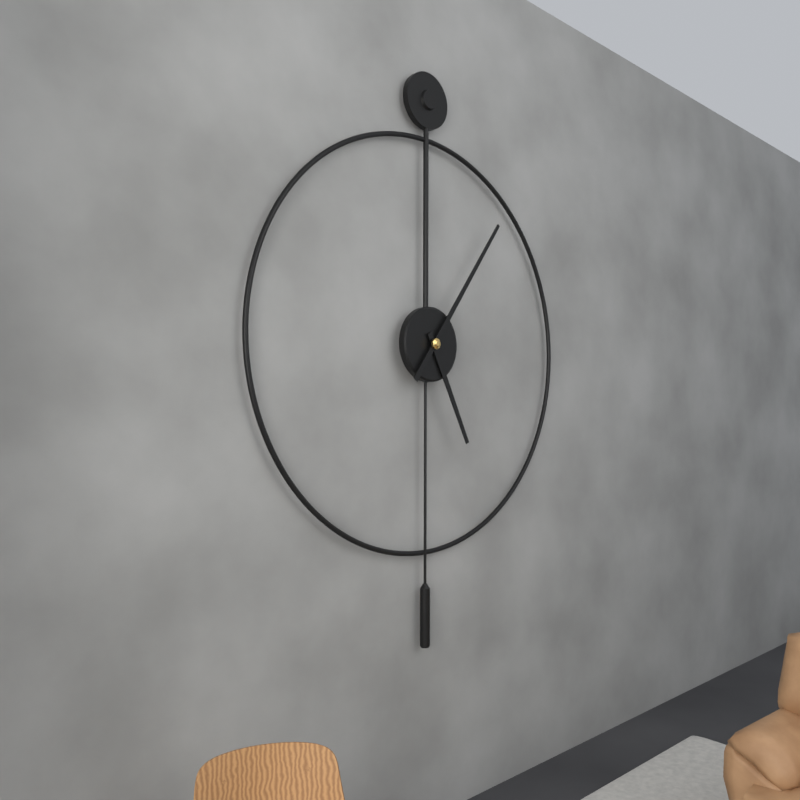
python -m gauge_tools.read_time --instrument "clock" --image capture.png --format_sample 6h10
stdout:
5h06
